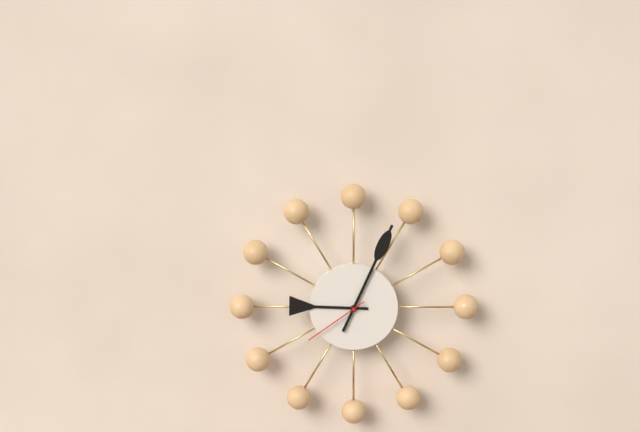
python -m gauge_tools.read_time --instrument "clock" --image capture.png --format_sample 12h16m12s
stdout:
9h04m39s
